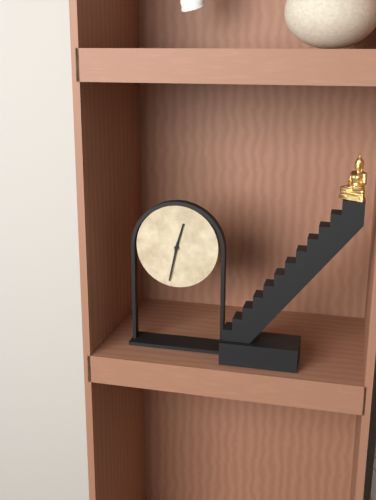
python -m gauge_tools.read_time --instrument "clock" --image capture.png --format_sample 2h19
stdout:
12h32
